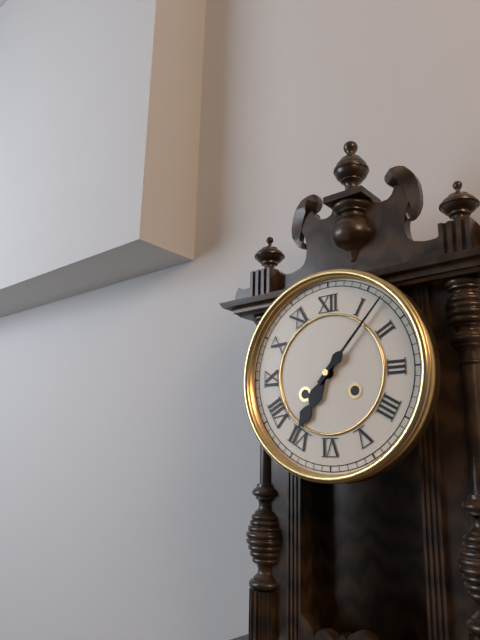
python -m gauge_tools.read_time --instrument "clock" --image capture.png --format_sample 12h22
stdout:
7h07
